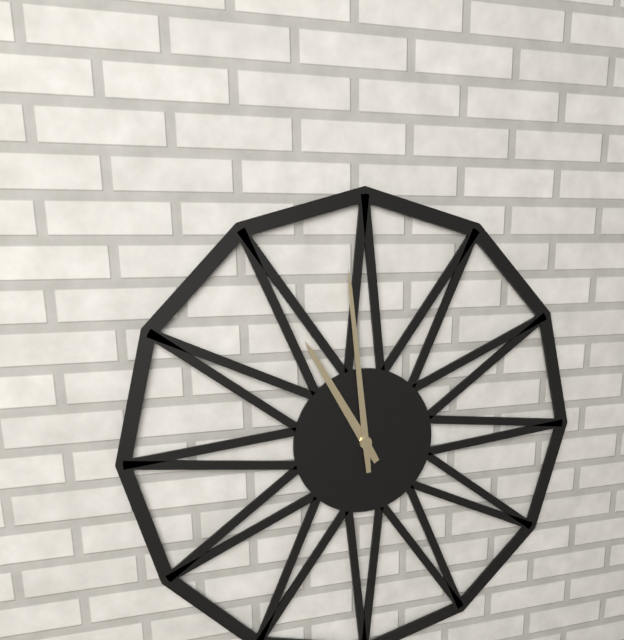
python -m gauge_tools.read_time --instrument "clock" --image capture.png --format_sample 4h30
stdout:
10h59
